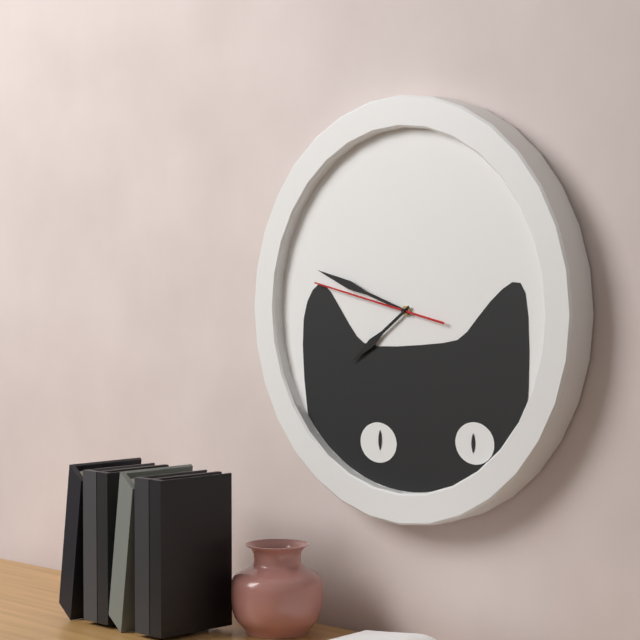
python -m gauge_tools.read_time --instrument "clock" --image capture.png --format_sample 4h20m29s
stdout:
7h48m47s
